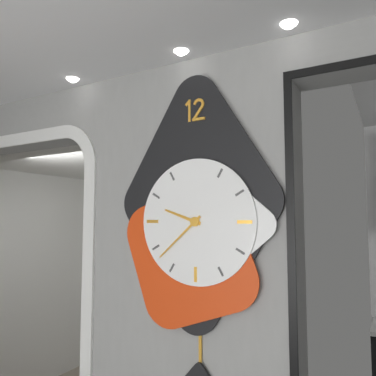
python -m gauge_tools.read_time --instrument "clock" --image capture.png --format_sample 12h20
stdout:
9h38
